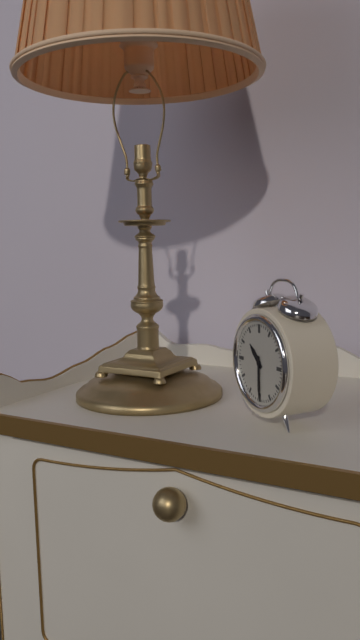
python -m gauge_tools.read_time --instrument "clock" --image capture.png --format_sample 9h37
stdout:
10h30
